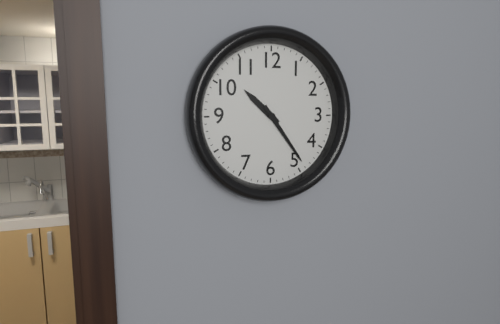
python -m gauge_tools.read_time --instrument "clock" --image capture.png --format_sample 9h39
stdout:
10h24
